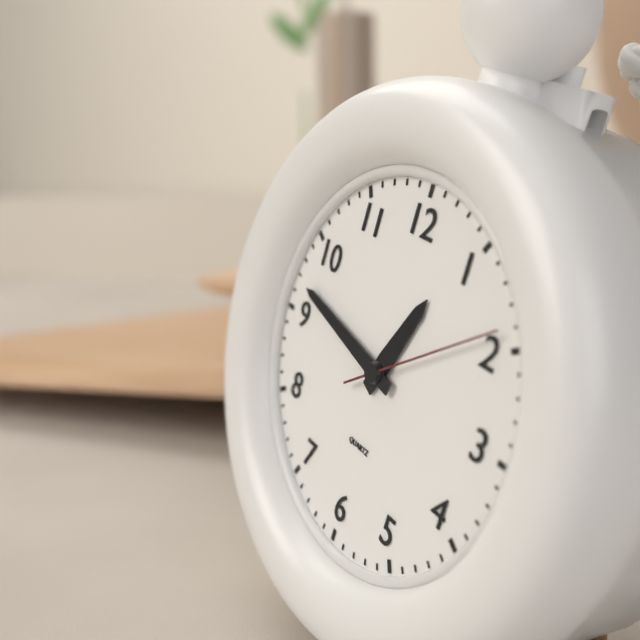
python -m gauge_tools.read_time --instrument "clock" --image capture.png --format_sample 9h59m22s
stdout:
12h47m09s
